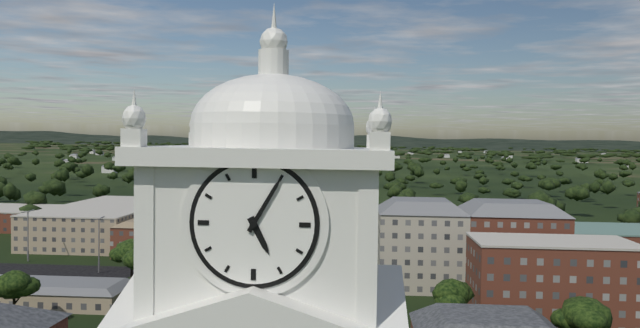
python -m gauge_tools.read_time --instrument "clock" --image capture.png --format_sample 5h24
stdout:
5h05
